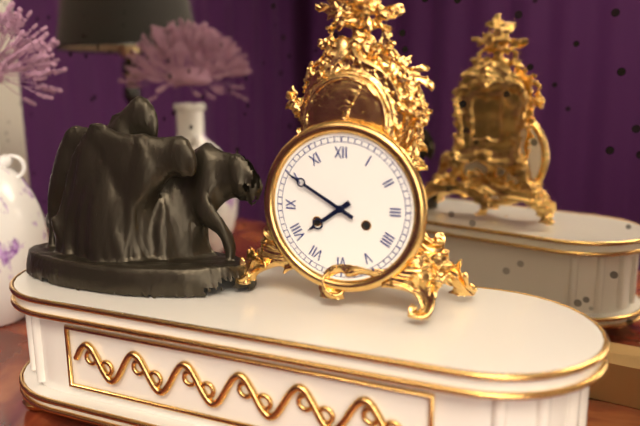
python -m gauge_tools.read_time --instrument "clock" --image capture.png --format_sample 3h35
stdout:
7h50
